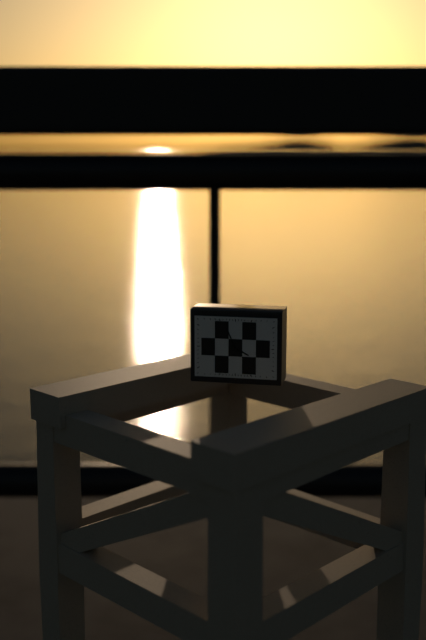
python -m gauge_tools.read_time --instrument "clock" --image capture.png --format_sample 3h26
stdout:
3h56
